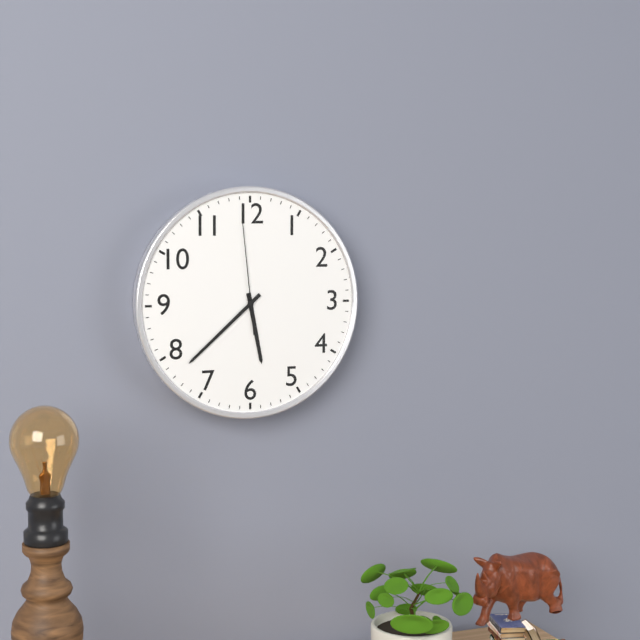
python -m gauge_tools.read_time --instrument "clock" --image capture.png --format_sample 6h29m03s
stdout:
5h38m59s
